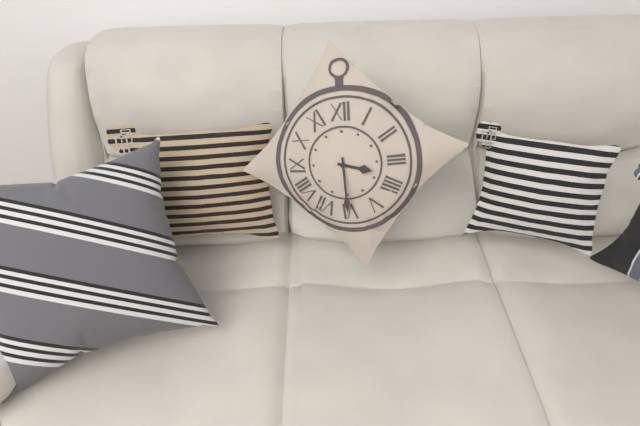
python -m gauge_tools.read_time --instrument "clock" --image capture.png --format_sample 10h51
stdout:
3h30
